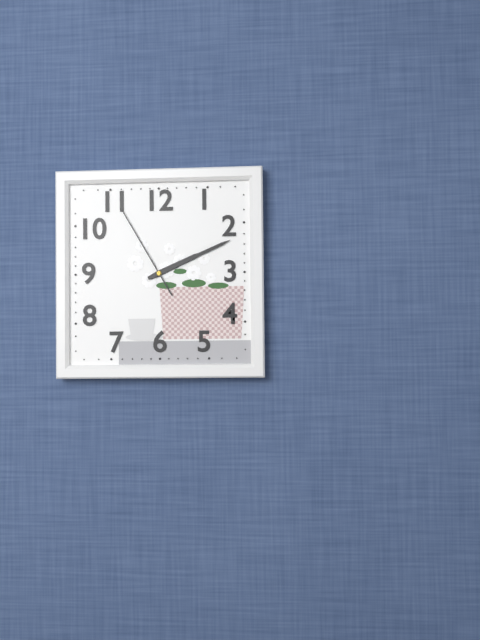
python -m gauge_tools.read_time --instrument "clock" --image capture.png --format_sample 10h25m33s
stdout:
2h11m55s
